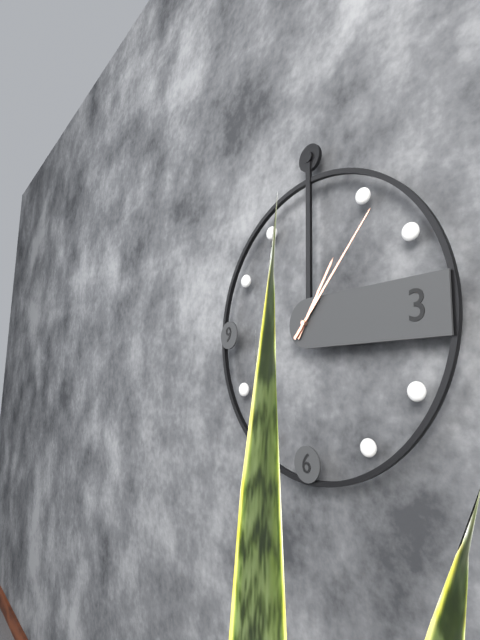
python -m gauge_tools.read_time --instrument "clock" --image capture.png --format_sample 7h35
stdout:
1h07
